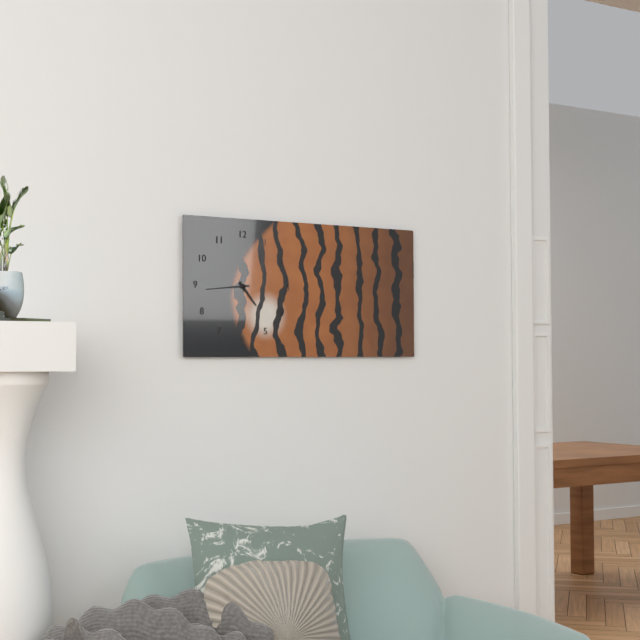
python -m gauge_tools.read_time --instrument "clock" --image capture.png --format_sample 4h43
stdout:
4h44
